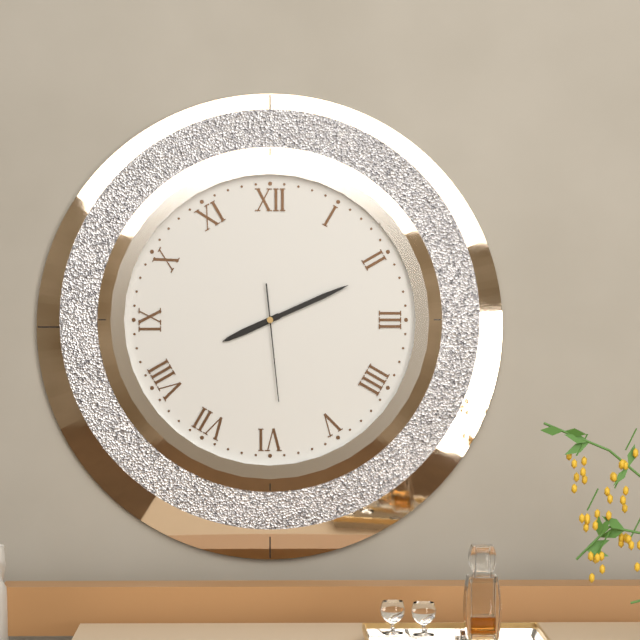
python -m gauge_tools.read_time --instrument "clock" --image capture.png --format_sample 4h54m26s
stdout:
8h11m29s
